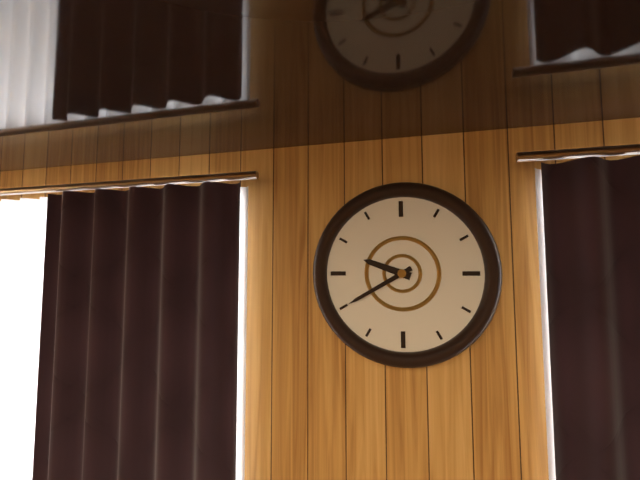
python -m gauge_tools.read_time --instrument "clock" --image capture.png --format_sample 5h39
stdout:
9h40
